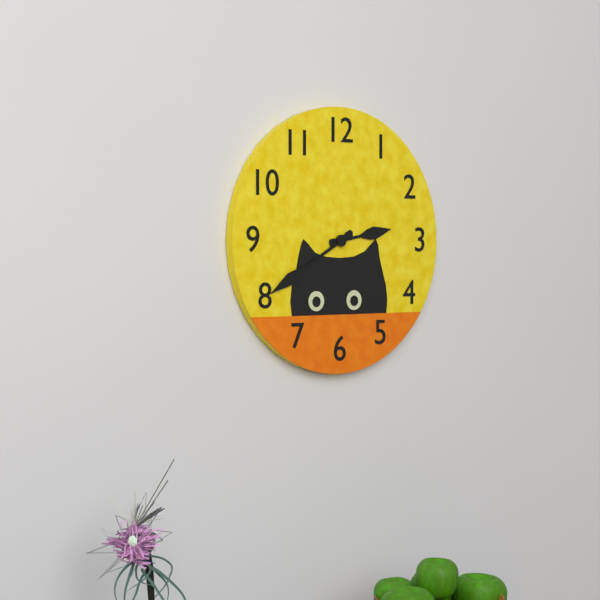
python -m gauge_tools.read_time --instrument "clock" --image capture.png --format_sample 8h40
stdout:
2h40
